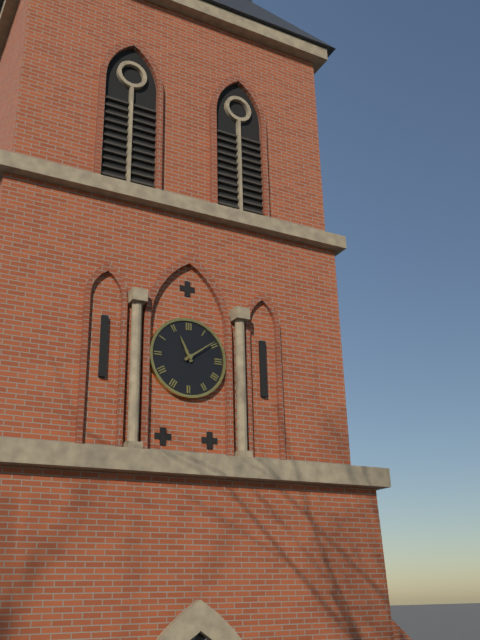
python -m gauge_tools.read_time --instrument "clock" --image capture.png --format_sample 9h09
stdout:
11h09
